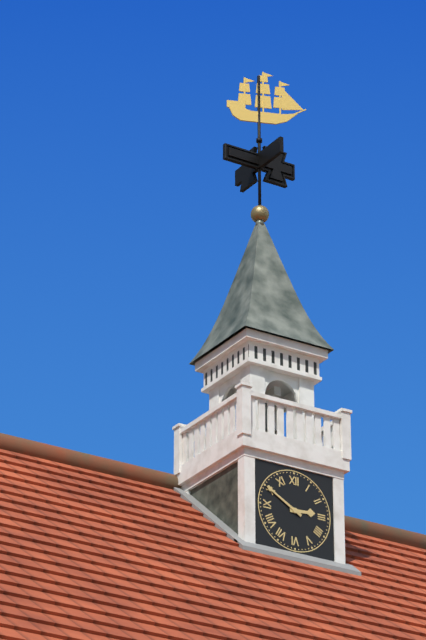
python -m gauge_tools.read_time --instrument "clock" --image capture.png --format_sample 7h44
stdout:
2h50
